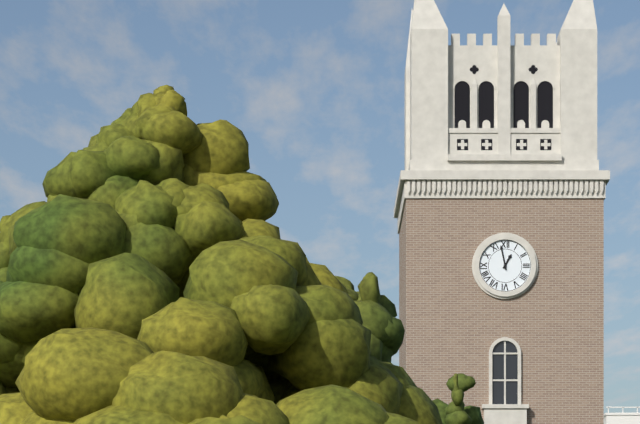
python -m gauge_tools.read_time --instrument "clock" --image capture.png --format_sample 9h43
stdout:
12h58
